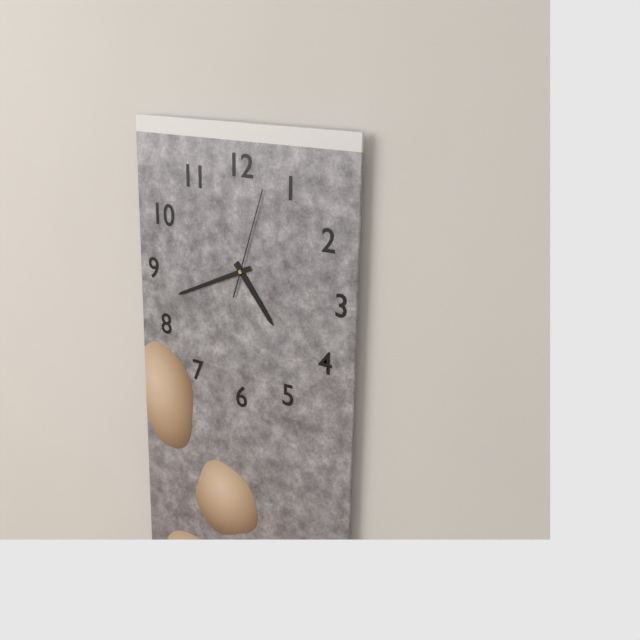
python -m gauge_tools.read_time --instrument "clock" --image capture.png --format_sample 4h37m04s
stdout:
4h41m03s
